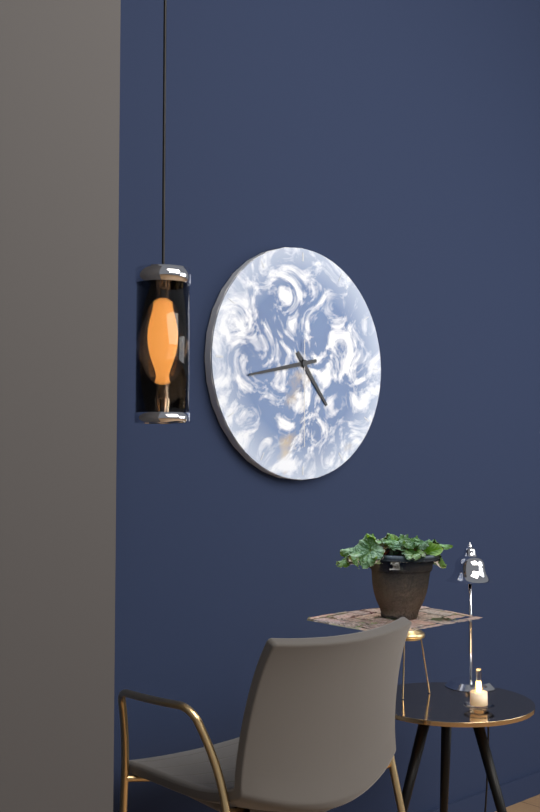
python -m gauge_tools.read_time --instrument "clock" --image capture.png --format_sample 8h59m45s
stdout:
4h43m30s
